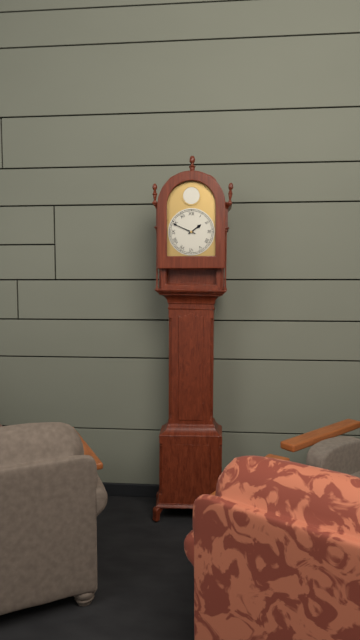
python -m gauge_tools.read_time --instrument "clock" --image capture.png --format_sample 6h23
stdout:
1h49
